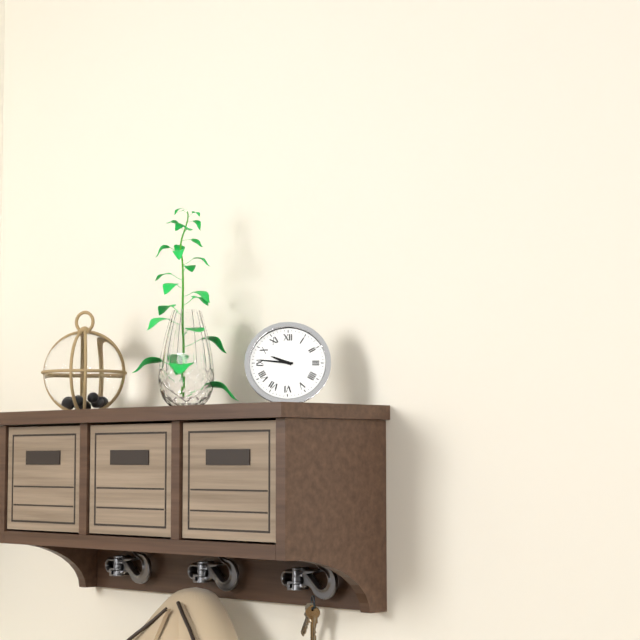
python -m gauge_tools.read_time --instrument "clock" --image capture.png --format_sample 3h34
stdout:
9h46
